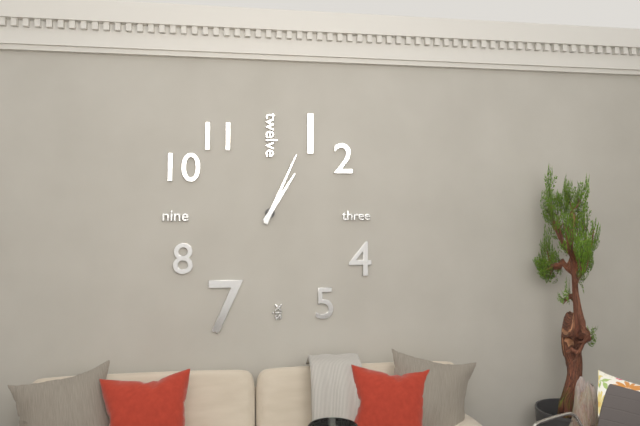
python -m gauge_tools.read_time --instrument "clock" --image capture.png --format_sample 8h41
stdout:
1h04
